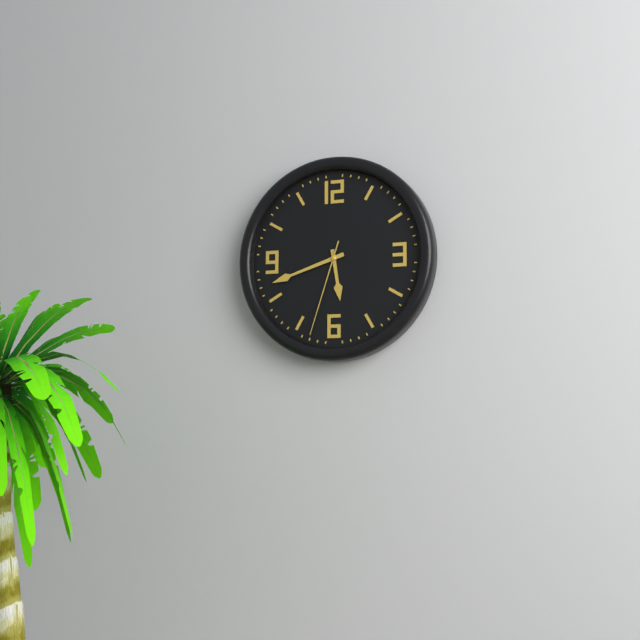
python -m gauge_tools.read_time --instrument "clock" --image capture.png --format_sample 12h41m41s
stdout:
5h42m33s
